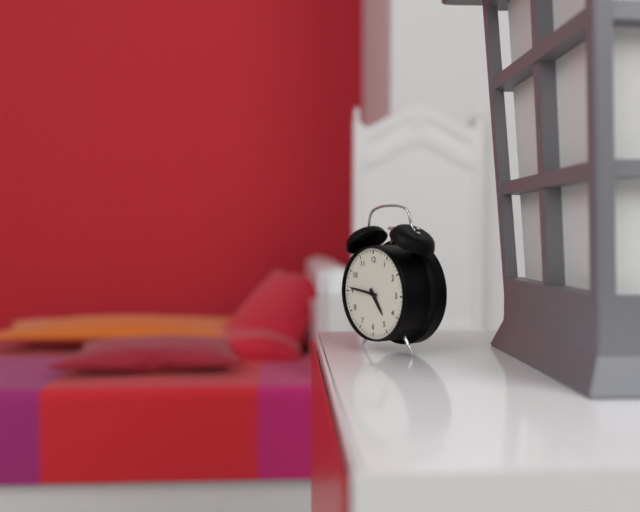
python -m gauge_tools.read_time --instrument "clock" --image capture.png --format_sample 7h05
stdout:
4h46
